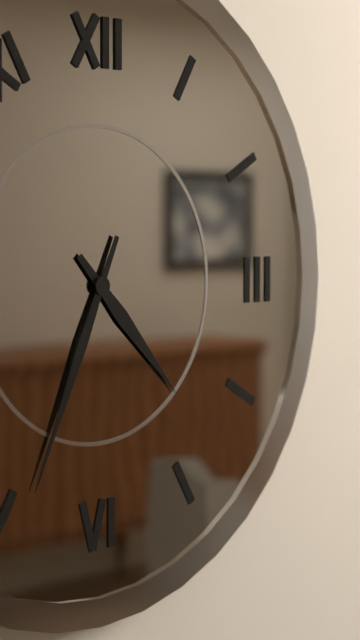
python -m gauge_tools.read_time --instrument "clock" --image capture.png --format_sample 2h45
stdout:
4h34
